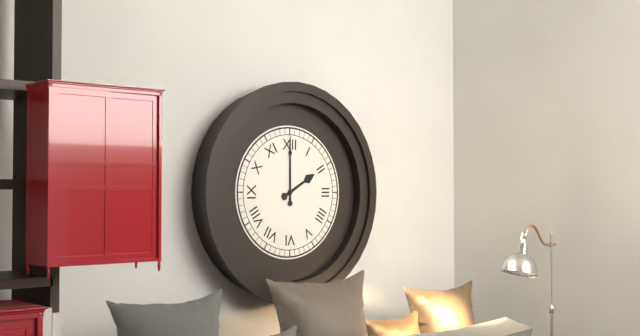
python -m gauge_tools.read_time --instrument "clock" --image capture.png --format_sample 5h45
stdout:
2h00
